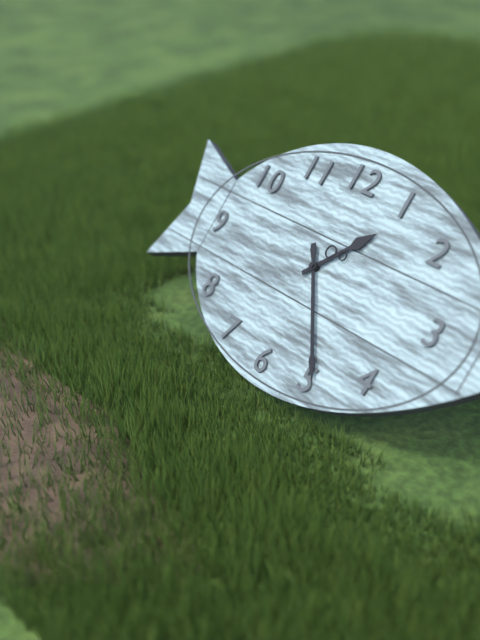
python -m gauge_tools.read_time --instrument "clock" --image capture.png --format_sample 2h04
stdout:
1h24
